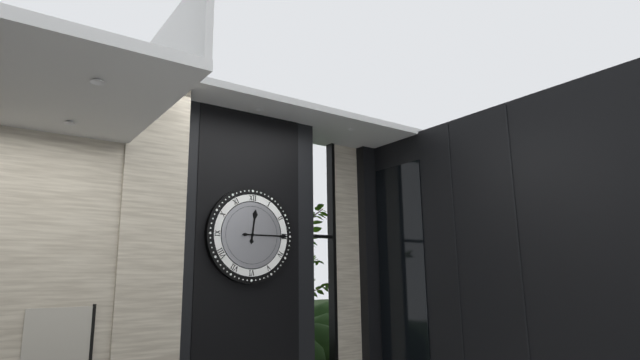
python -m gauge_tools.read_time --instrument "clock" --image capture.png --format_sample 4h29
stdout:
12h15
